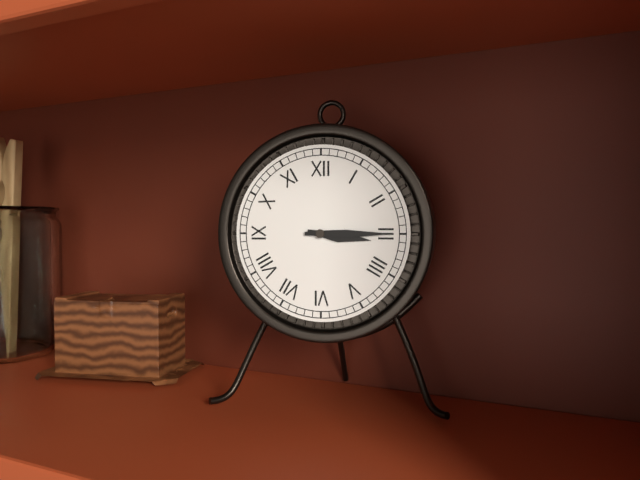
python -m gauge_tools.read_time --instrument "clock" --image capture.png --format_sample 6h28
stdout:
3h15
